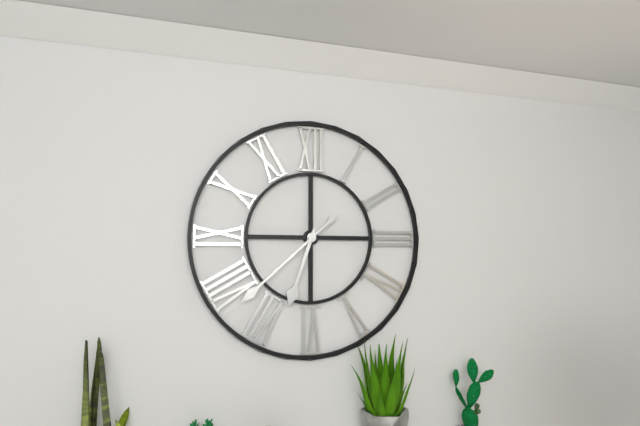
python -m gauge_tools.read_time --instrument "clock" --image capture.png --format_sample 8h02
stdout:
6h38
